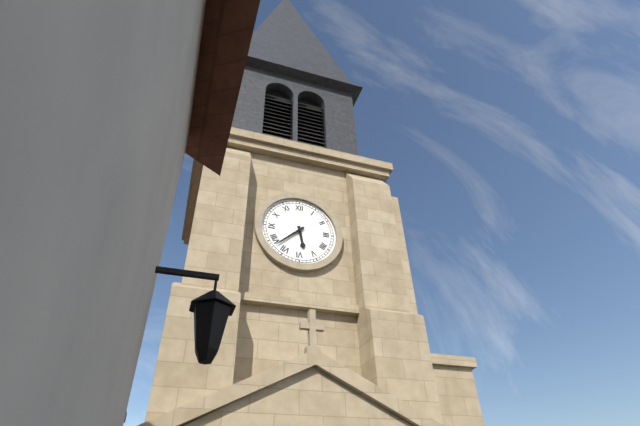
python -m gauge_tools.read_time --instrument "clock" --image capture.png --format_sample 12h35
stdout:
5h38
